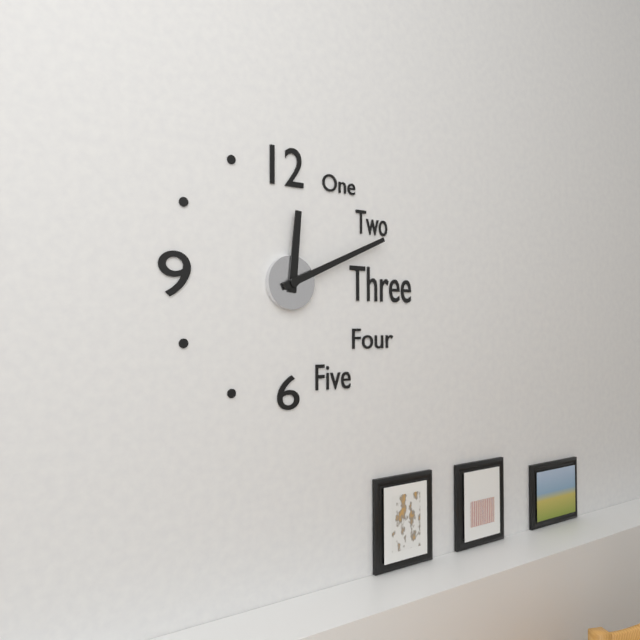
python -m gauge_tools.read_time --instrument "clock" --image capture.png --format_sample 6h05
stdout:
12h11
